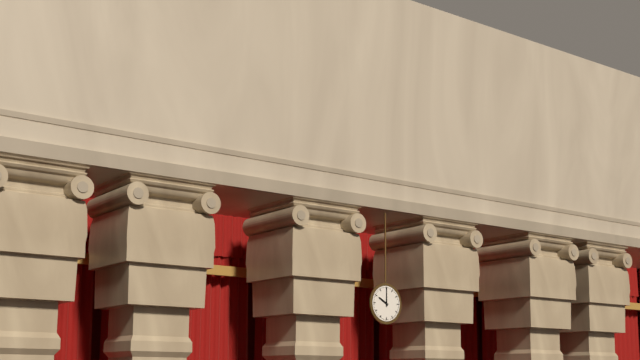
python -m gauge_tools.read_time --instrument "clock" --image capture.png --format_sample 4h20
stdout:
10h00
